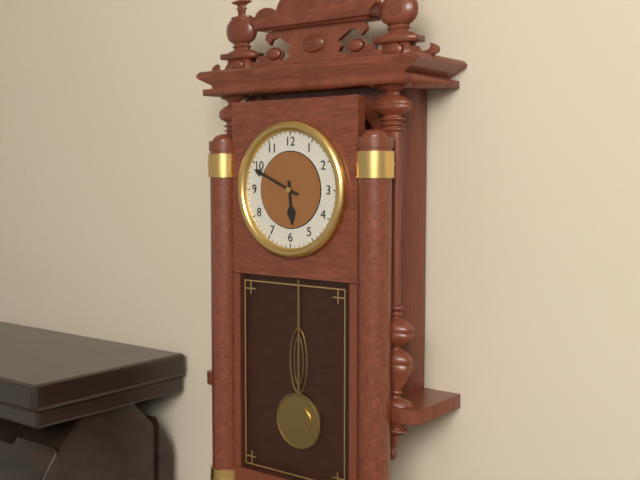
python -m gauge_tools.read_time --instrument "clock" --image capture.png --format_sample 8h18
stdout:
5h49
